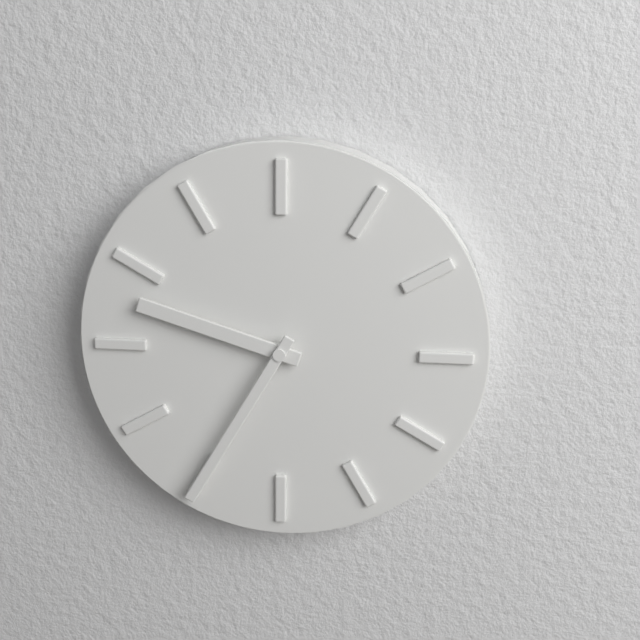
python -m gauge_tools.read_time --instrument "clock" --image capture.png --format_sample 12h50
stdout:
9h35
